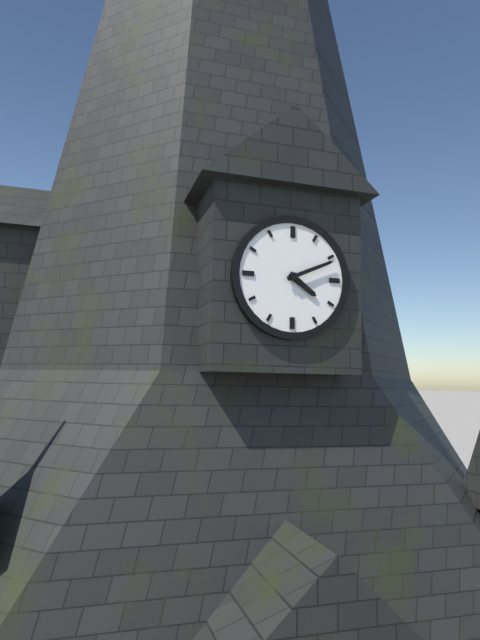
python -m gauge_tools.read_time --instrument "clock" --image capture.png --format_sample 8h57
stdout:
4h11
